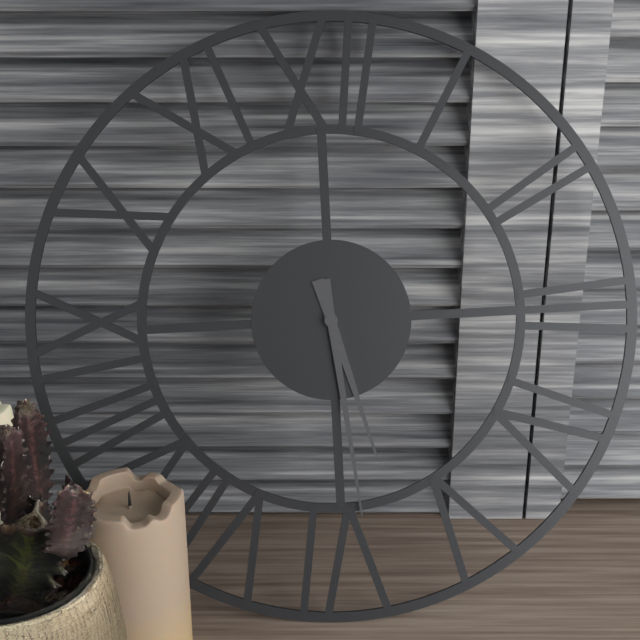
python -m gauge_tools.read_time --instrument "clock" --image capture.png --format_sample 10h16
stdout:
5h29
